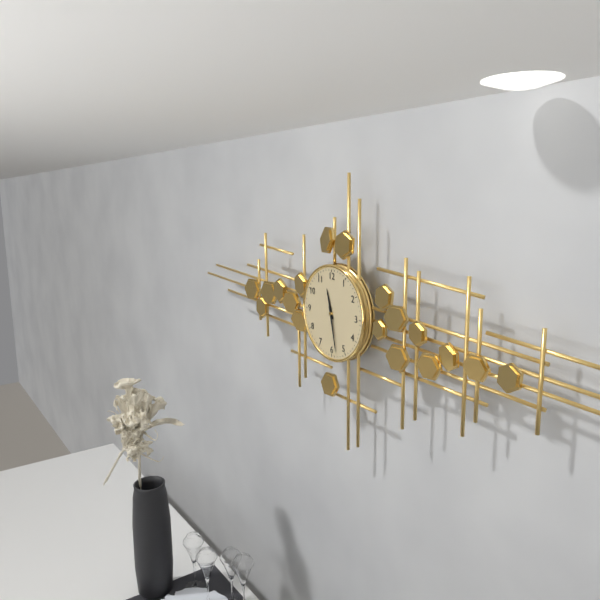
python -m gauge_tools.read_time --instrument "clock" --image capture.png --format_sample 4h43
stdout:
11h28
